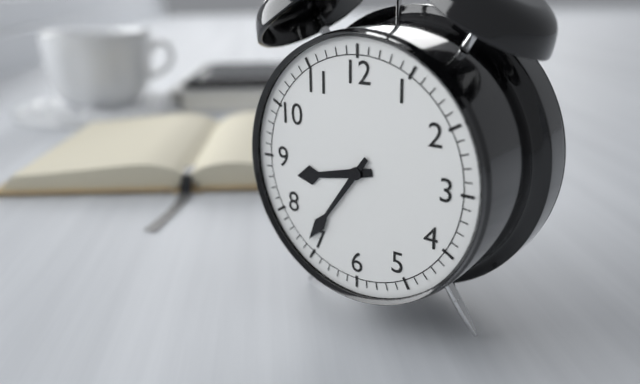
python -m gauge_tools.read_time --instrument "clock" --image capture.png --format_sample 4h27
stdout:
8h36
